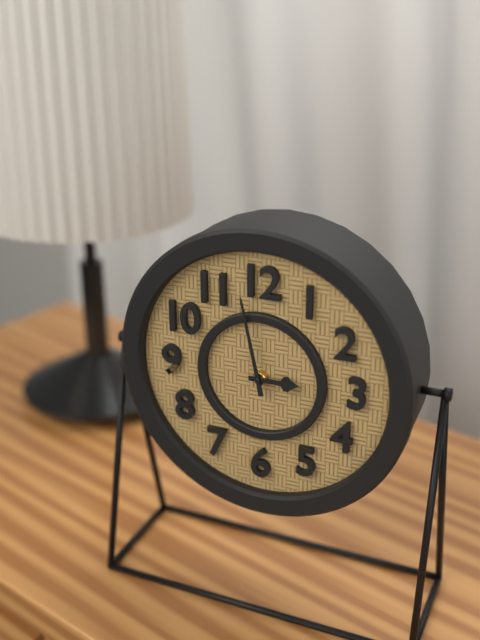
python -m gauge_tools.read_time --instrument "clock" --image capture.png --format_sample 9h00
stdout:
2h58
